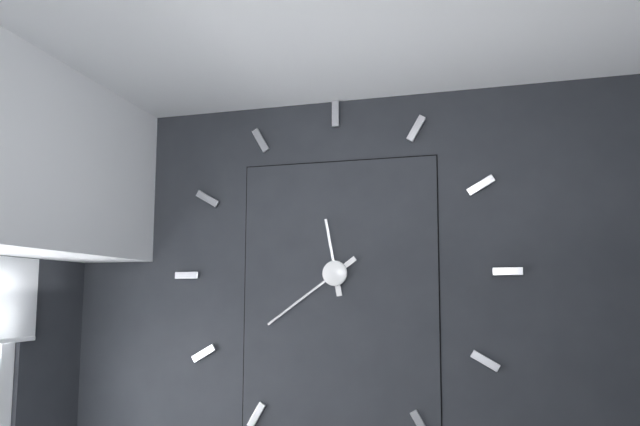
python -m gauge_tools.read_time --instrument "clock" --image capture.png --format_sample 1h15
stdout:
11h39
